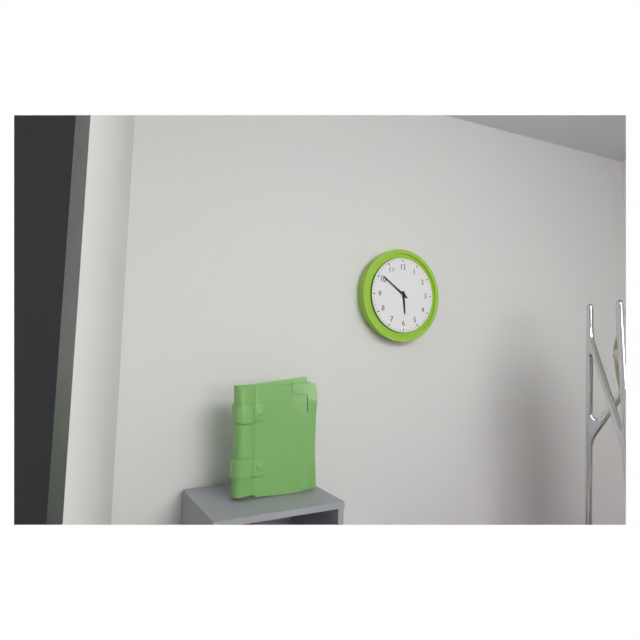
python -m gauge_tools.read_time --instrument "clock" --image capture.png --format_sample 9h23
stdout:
5h51
